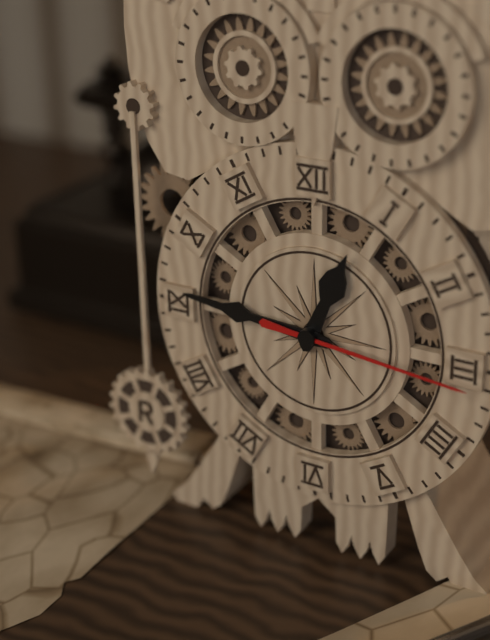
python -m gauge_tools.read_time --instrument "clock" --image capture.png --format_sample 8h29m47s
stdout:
12h46m16s
